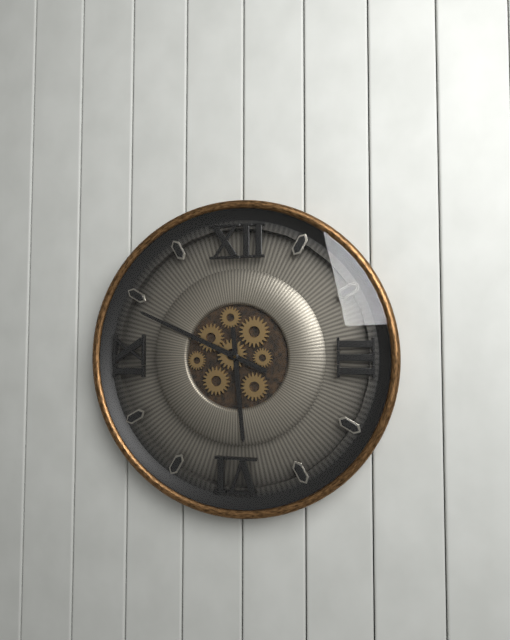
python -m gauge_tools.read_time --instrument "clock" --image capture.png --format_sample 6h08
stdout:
5h49
